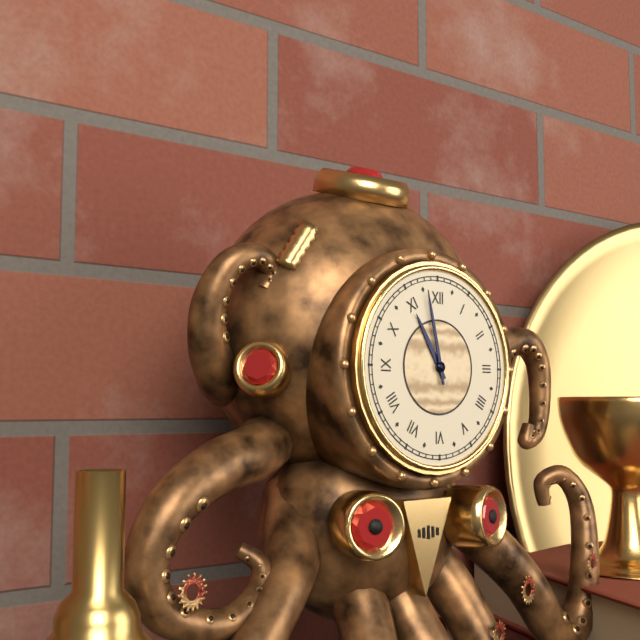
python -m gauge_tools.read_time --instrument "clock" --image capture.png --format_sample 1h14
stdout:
10h58
